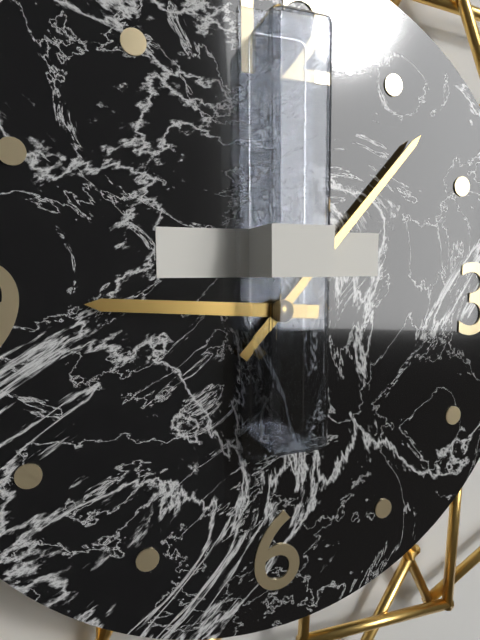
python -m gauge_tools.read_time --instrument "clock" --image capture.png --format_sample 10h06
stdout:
9h07
